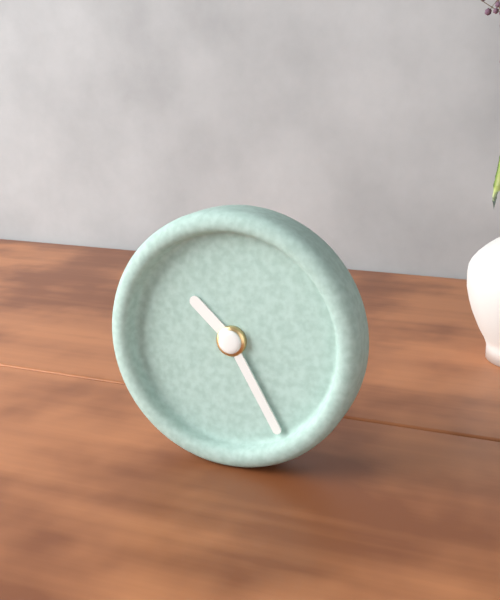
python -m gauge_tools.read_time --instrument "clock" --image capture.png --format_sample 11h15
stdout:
10h25
